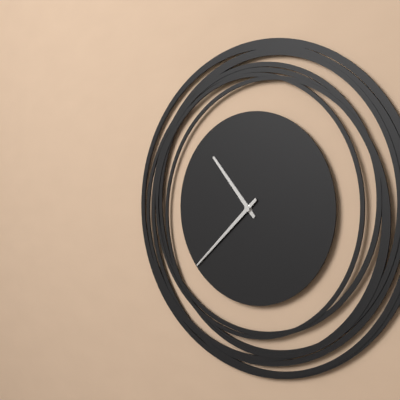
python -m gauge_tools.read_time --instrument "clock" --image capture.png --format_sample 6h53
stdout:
10h38
